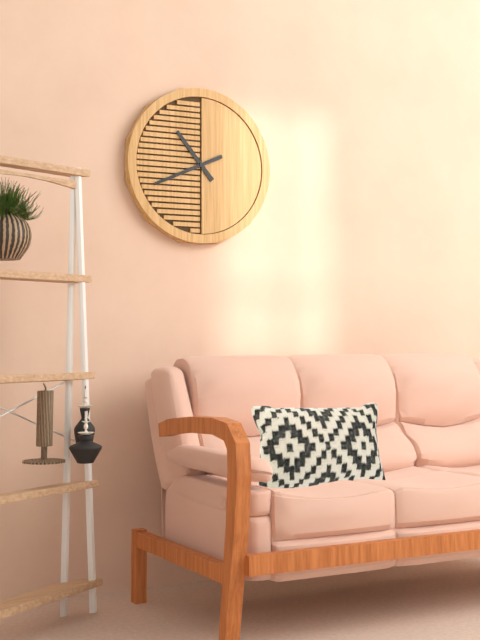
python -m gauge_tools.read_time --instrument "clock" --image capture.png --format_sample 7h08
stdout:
10h41
